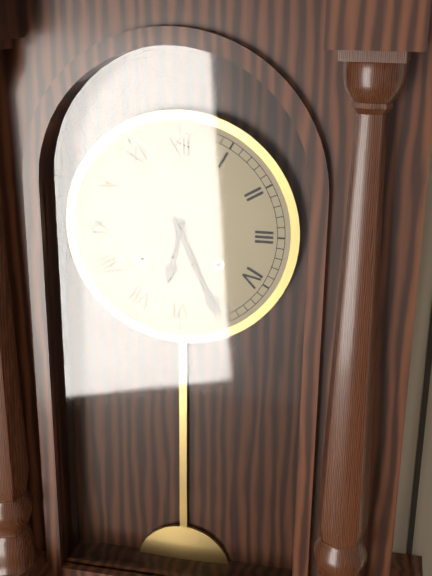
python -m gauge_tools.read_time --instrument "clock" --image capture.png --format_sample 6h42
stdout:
6h26
